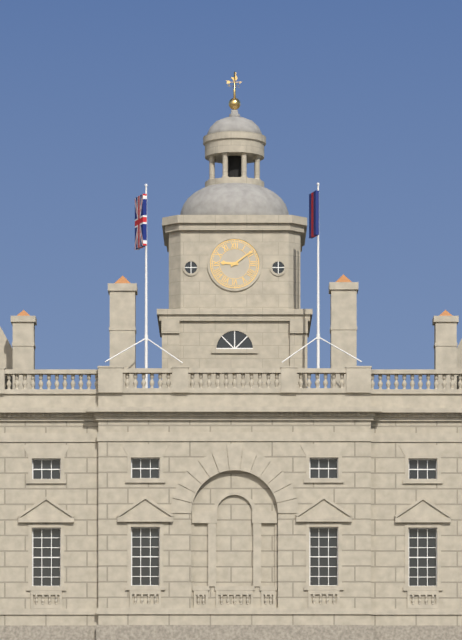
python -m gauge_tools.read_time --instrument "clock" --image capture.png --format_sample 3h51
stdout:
9h09
